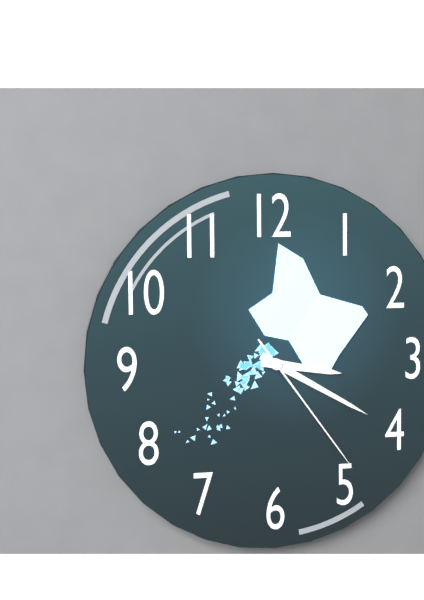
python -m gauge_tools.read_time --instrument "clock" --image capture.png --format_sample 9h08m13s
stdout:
3h20m24s
